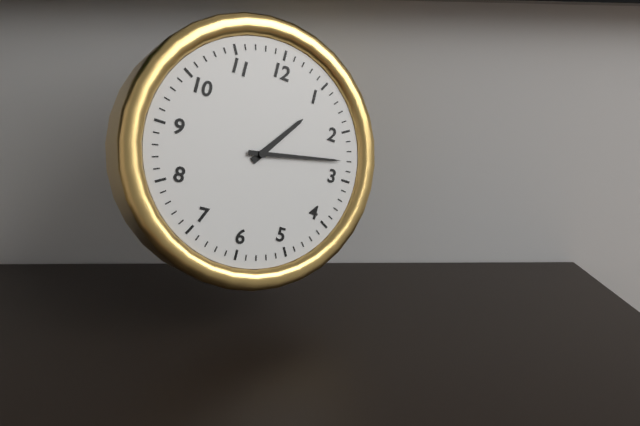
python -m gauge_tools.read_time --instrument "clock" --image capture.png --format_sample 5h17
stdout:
1h13
